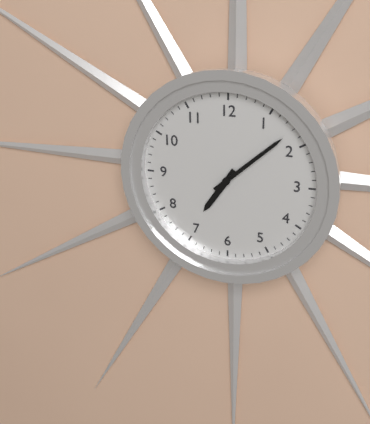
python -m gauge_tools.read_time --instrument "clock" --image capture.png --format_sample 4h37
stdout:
7h08
